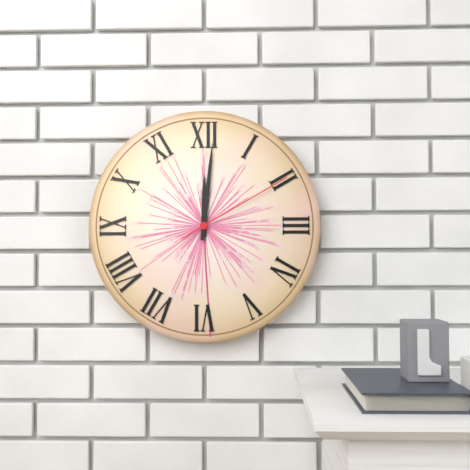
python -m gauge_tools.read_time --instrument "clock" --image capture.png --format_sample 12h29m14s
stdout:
12h01m10s
